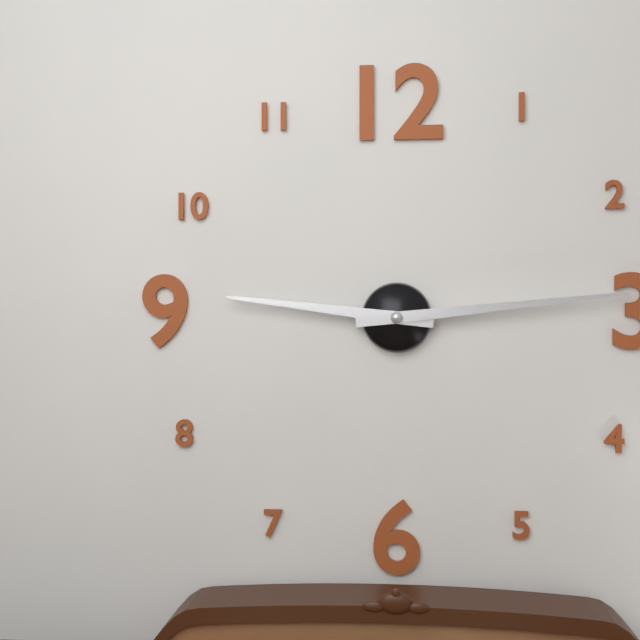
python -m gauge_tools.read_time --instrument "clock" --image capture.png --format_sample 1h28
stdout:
9h14
